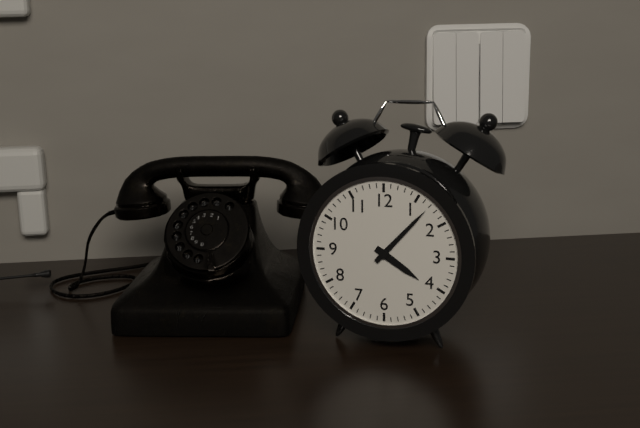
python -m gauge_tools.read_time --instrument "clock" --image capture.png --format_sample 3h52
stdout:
4h07
